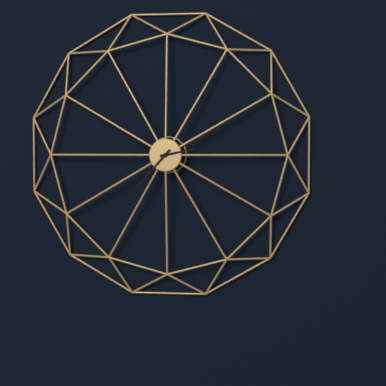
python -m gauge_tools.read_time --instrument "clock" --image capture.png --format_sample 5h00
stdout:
2h37
